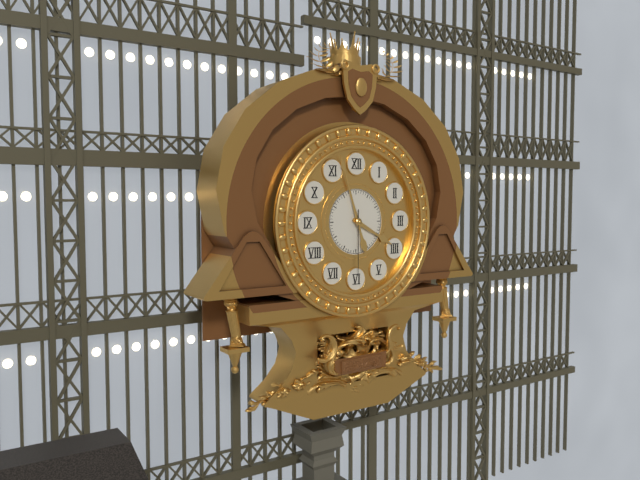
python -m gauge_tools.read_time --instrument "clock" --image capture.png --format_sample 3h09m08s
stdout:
3h57m30s
